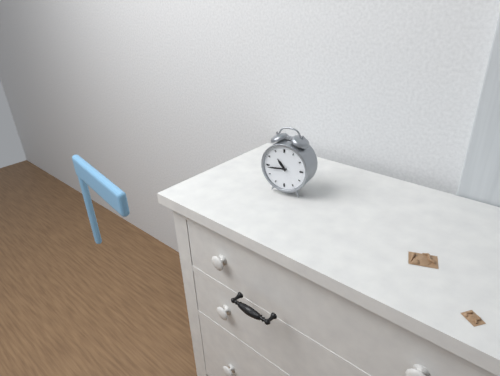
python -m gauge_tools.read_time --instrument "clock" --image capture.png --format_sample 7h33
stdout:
10h44
